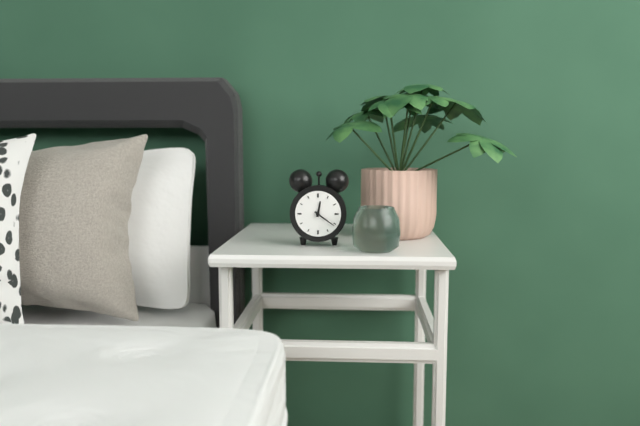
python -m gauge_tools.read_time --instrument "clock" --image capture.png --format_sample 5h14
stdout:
12h21
